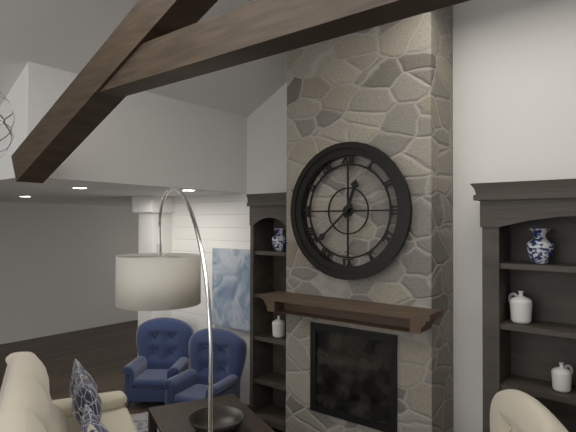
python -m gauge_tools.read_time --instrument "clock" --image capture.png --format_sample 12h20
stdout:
12h38
